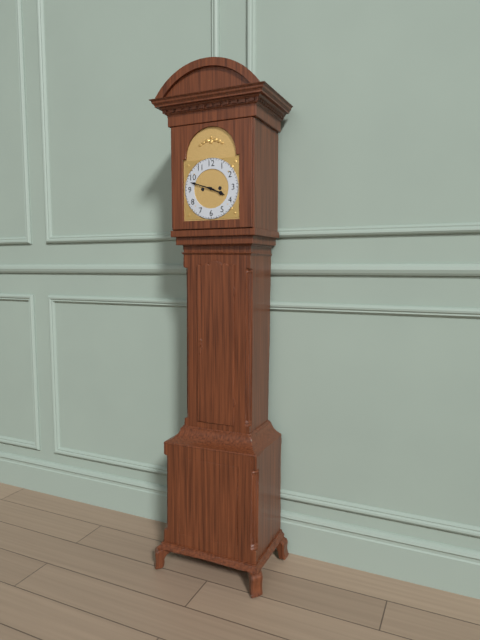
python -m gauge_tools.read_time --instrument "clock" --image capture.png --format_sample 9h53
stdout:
3h48
